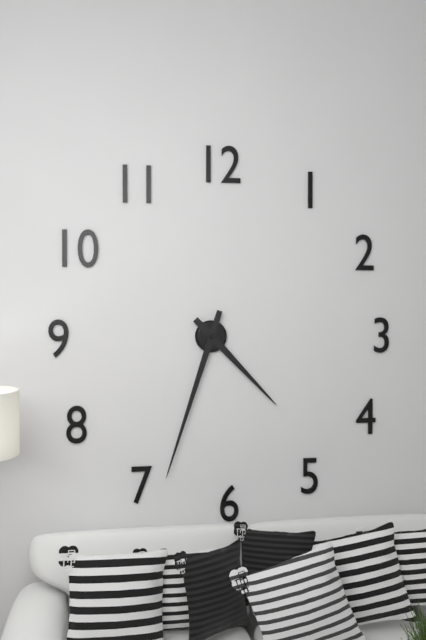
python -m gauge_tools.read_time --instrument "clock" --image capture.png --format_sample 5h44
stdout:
4h33
